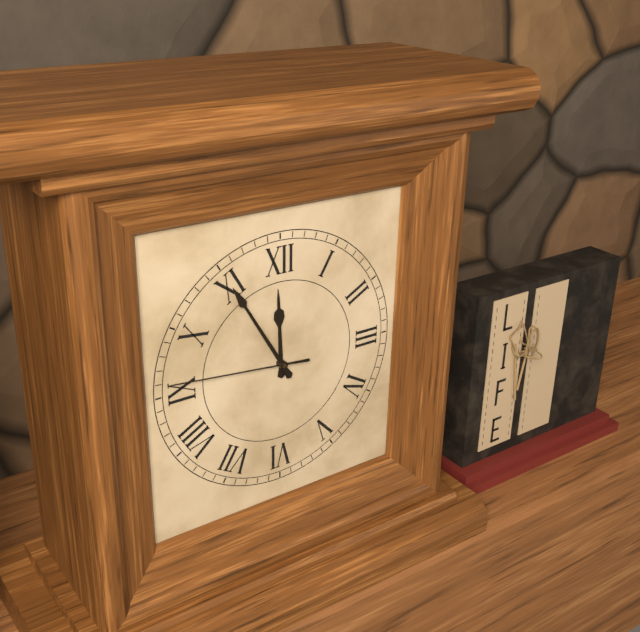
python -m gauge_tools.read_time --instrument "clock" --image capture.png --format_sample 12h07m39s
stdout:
11h55m46s
